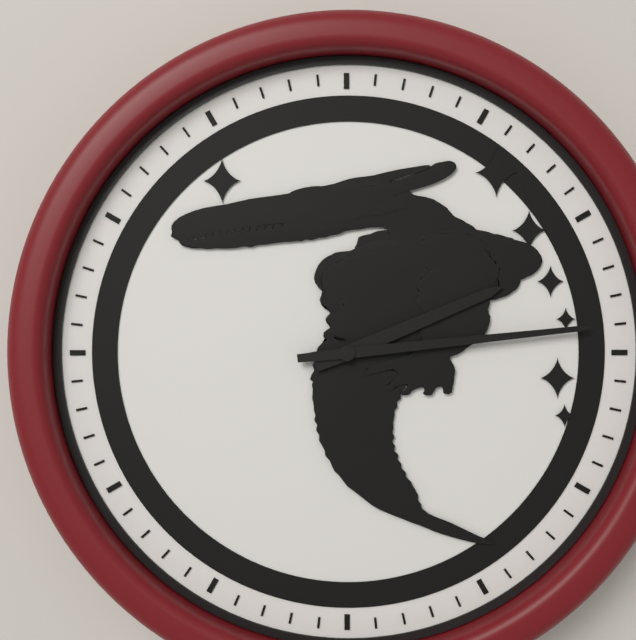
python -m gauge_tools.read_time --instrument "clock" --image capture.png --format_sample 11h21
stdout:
2h14
